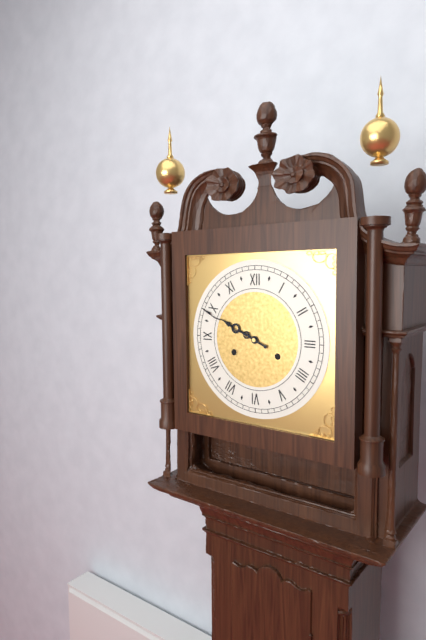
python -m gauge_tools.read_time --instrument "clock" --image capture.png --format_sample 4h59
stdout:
9h49
